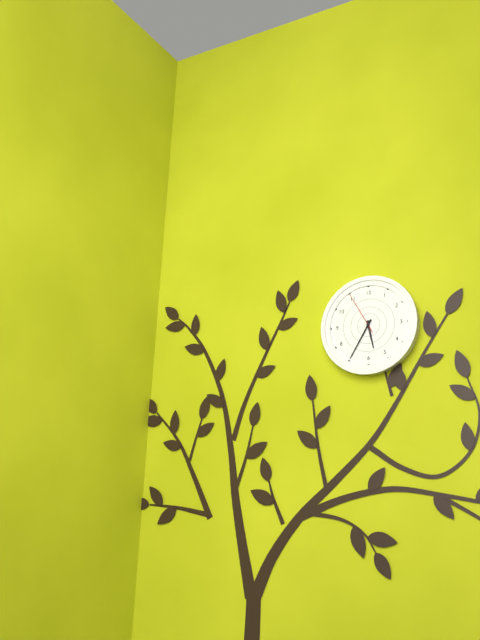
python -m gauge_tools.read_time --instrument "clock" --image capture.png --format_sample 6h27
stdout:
5h35
